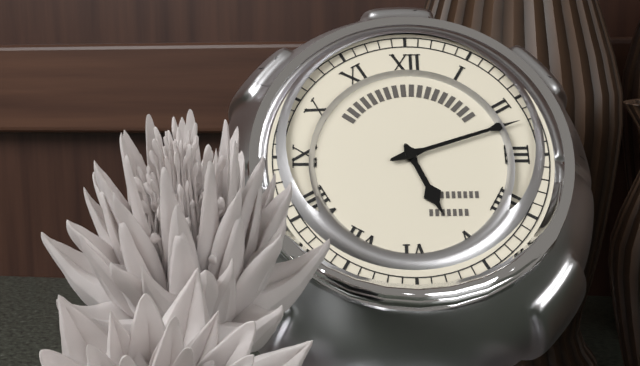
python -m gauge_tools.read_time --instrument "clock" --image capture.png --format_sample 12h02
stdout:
5h12
